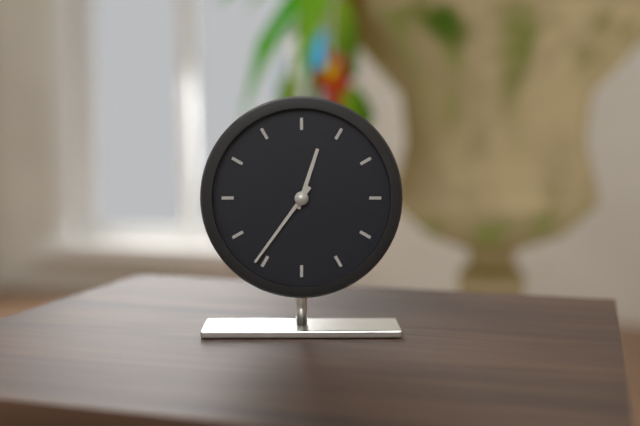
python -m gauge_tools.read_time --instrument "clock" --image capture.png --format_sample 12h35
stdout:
12h36
